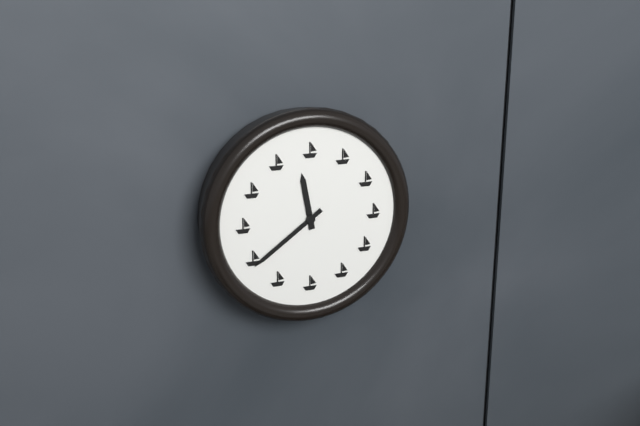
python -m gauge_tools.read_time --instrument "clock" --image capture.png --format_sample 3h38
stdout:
11h39
